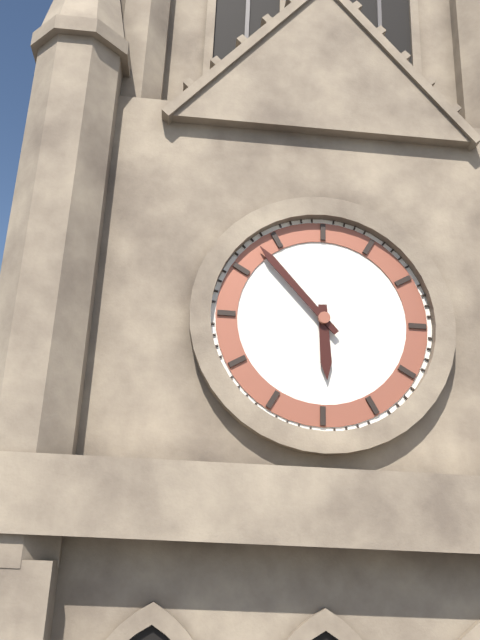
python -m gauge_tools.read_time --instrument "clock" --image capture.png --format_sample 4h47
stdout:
5h53
